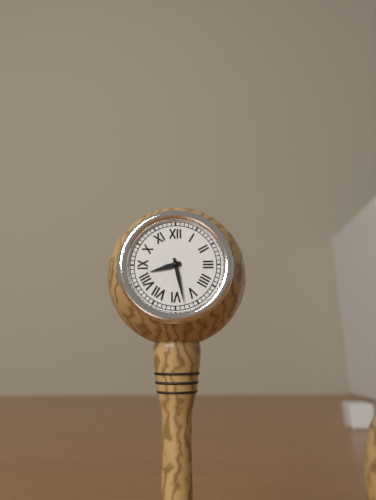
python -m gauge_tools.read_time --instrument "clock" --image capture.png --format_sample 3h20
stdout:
8h28
